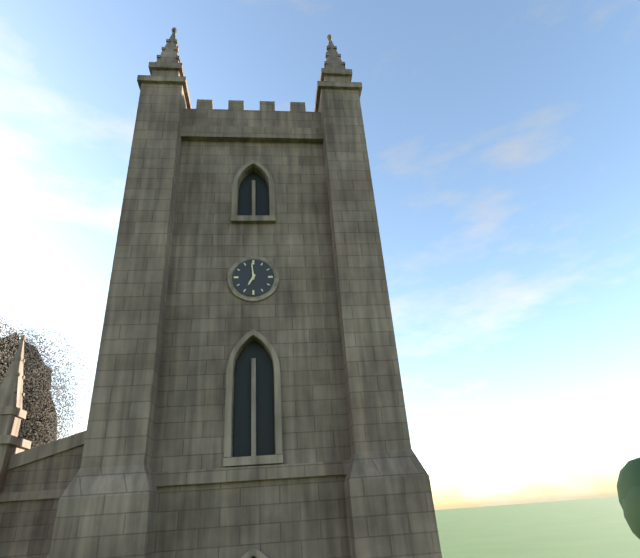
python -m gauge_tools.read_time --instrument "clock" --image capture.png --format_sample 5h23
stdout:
6h59
